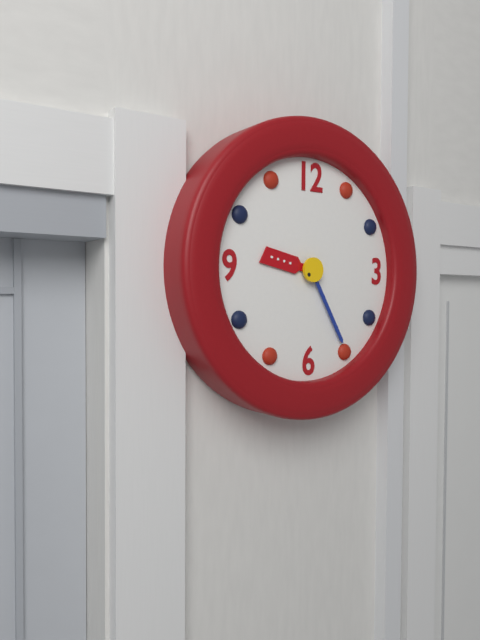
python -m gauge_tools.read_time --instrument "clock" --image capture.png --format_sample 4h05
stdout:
9h25
